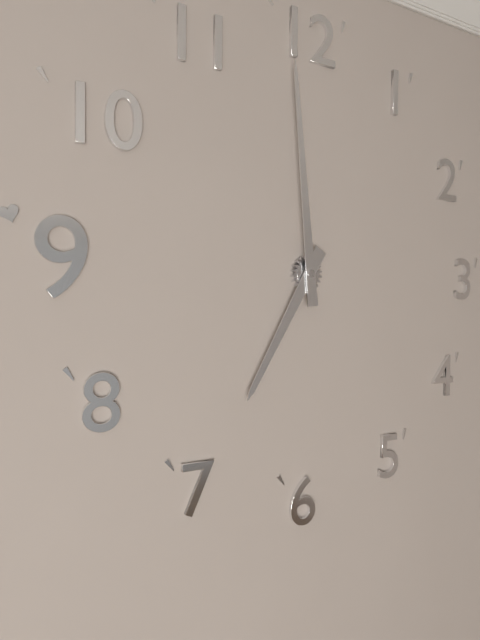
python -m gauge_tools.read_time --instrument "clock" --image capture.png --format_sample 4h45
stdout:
6h59
